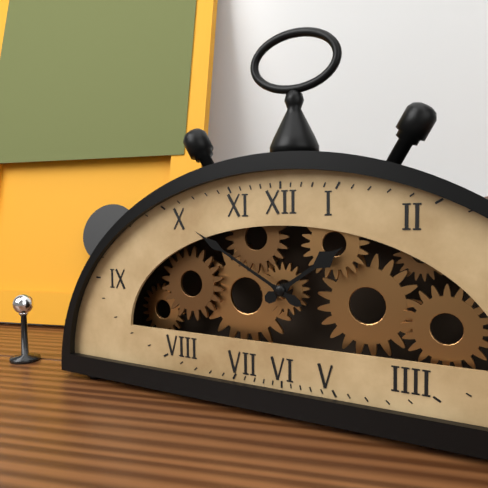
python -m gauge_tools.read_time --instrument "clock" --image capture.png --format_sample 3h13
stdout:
1h50
